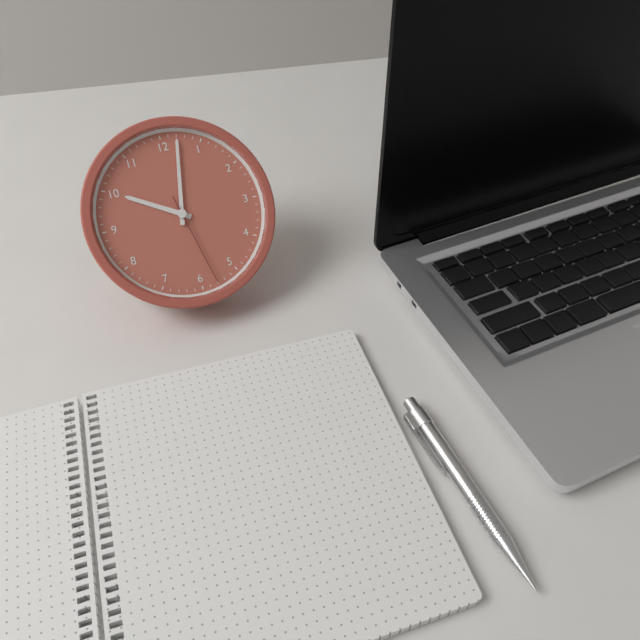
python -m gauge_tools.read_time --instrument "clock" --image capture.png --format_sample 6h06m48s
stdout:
10h02m28s
